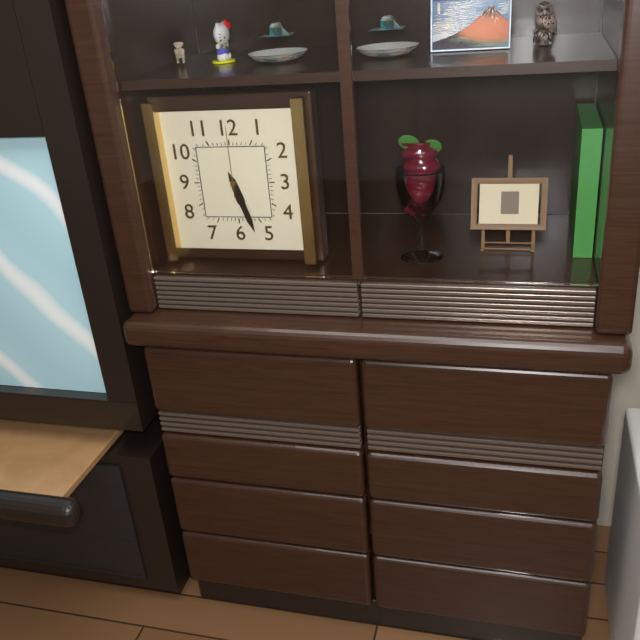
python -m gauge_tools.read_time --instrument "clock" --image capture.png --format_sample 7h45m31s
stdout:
5h27m00s
